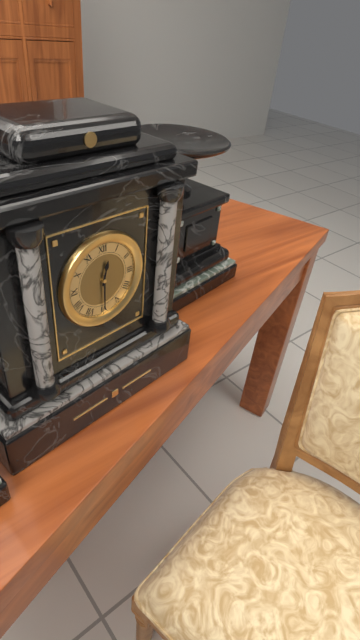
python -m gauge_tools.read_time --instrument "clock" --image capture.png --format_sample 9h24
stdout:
12h30
